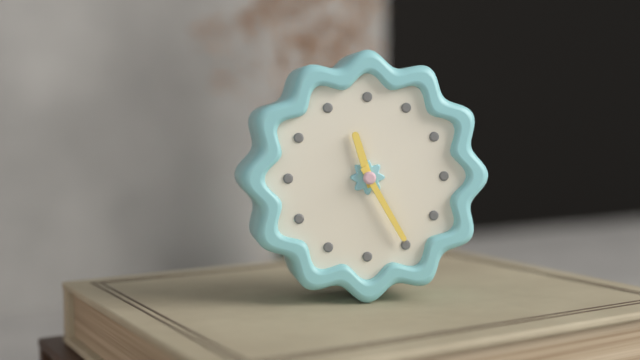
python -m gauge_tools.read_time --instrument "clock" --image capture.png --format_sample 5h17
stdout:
11h25
